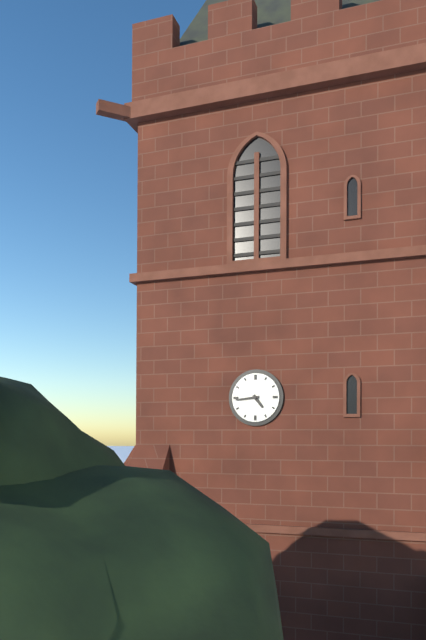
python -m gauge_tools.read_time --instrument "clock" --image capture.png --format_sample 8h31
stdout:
4h44
